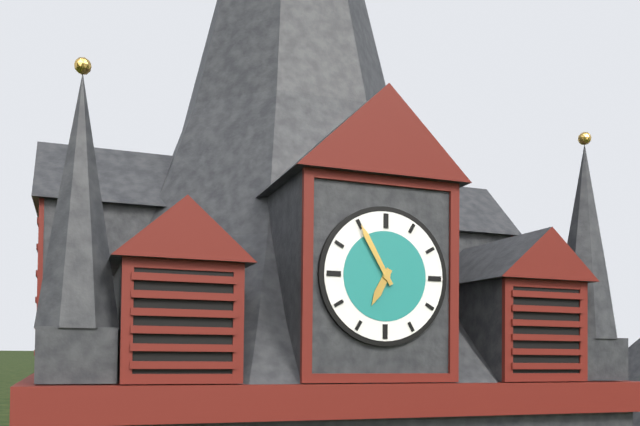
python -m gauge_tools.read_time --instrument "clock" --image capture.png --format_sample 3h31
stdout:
6h55
